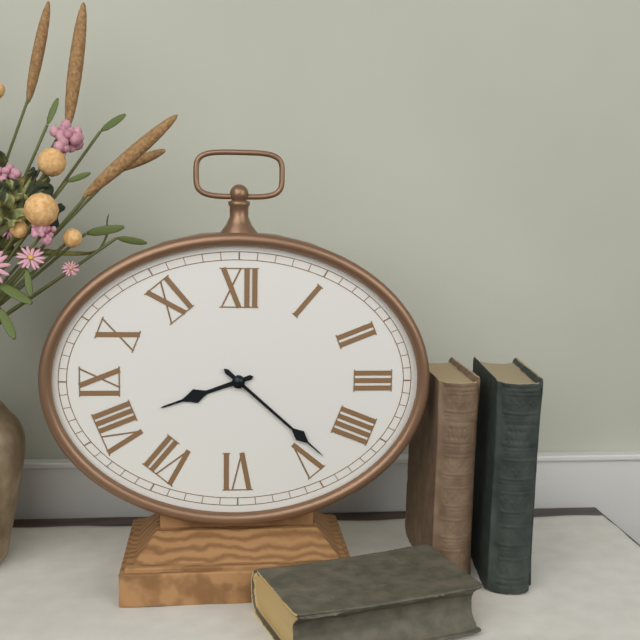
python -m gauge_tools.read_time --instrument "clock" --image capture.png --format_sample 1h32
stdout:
8h22
